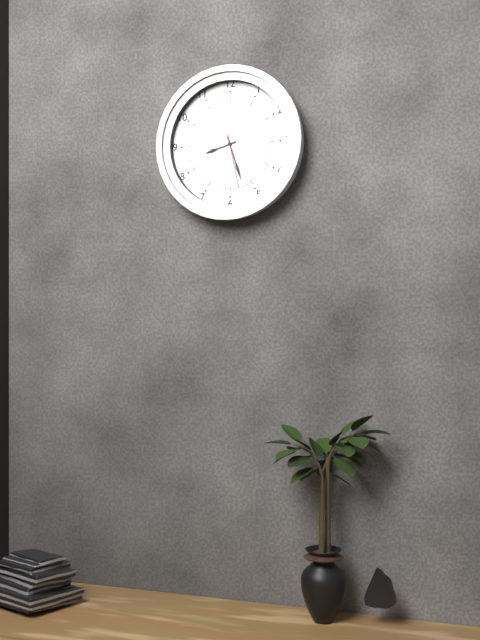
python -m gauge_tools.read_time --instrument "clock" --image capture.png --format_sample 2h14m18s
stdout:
8h27m28s
